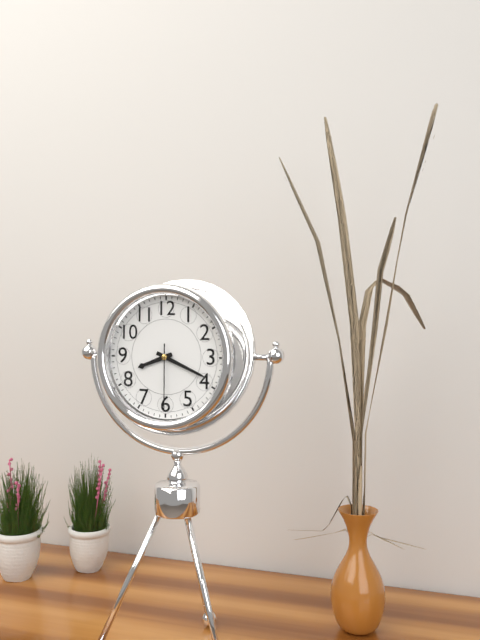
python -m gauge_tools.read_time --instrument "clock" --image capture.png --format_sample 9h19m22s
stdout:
8h19m30s
